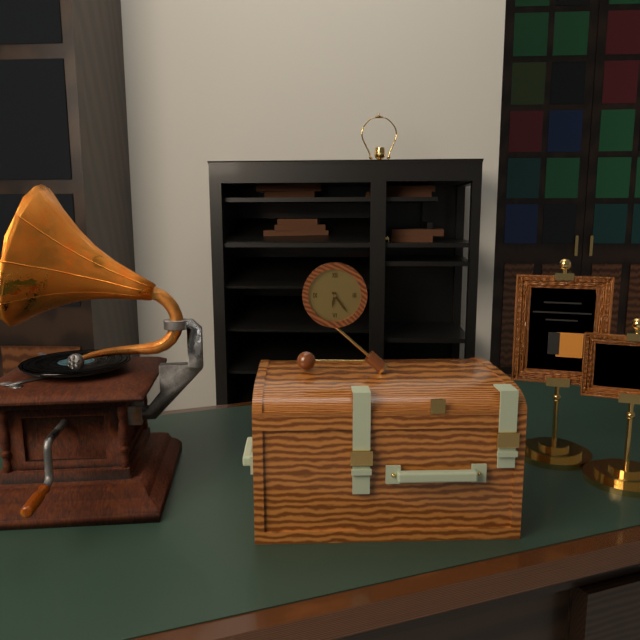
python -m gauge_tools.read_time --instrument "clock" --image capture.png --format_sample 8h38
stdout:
6h24
